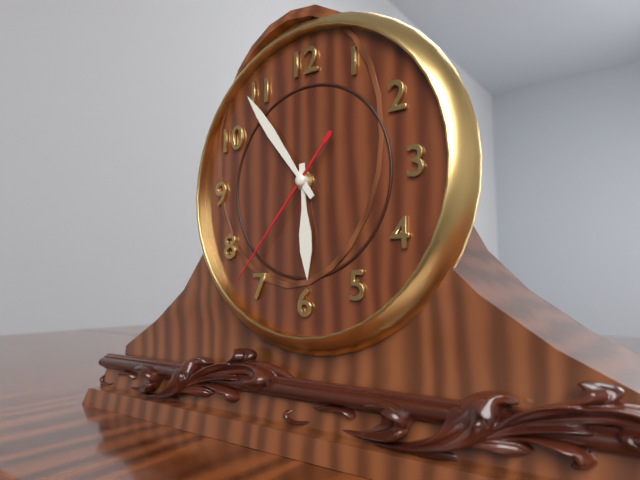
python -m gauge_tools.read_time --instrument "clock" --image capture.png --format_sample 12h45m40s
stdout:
5h54m37s
